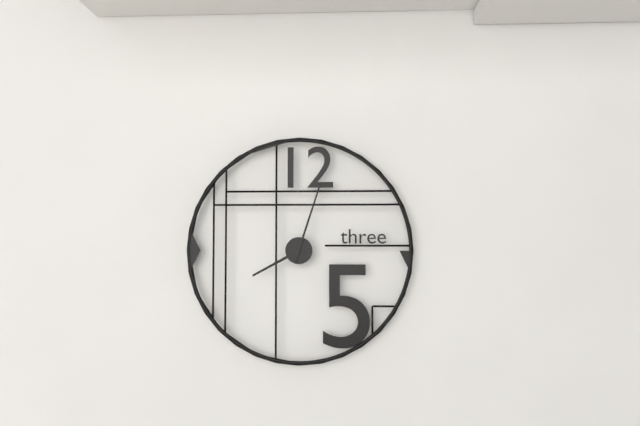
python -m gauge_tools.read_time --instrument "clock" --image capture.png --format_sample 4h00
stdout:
8h03
